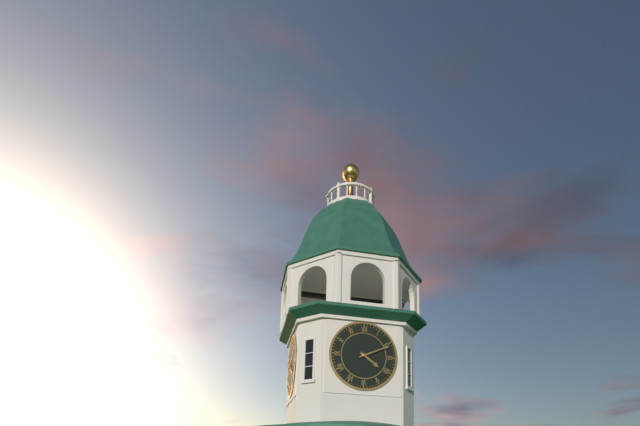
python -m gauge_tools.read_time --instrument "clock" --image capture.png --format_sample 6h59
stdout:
4h11
